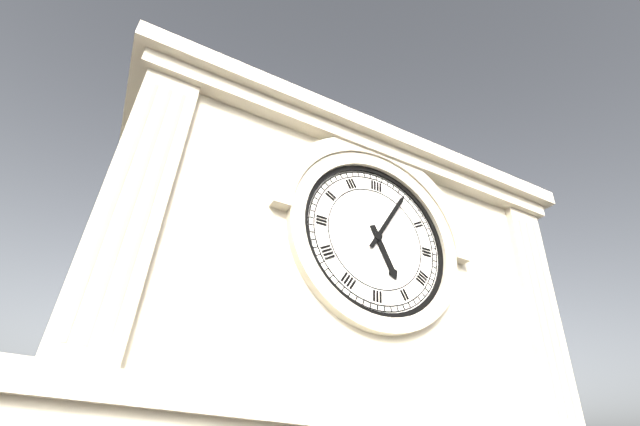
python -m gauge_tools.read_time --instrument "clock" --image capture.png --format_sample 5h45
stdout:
5h05
